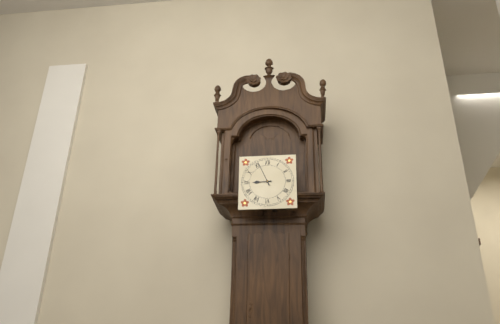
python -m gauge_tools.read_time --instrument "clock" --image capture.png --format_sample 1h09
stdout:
8h56
